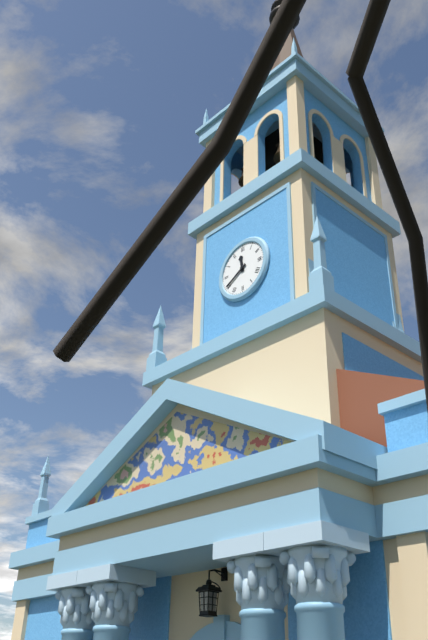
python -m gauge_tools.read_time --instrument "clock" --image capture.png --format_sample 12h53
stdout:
11h40
